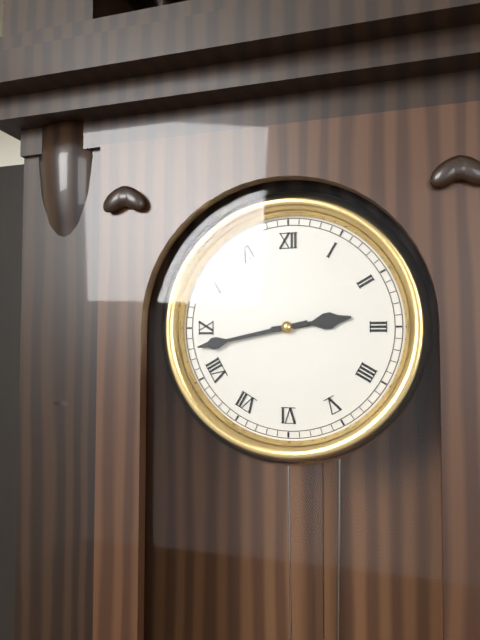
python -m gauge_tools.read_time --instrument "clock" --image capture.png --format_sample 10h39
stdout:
2h43
